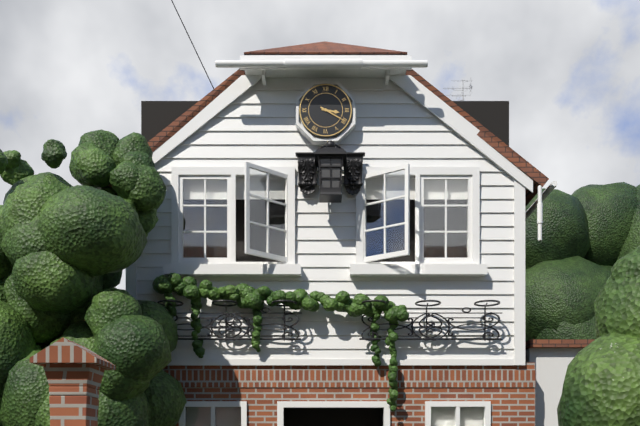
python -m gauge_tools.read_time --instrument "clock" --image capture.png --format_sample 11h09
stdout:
3h20
